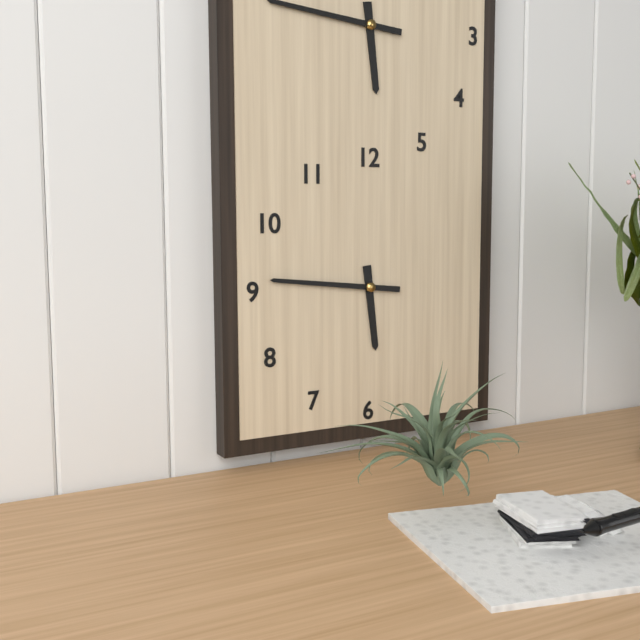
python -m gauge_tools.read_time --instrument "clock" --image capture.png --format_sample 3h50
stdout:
5h46
